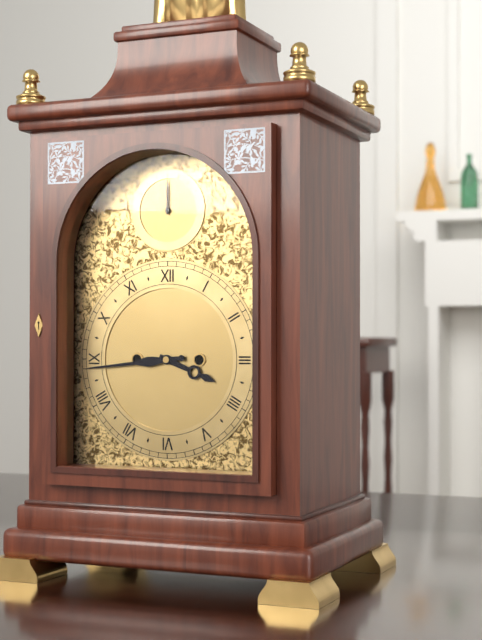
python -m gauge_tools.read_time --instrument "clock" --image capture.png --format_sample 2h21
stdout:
3h44
